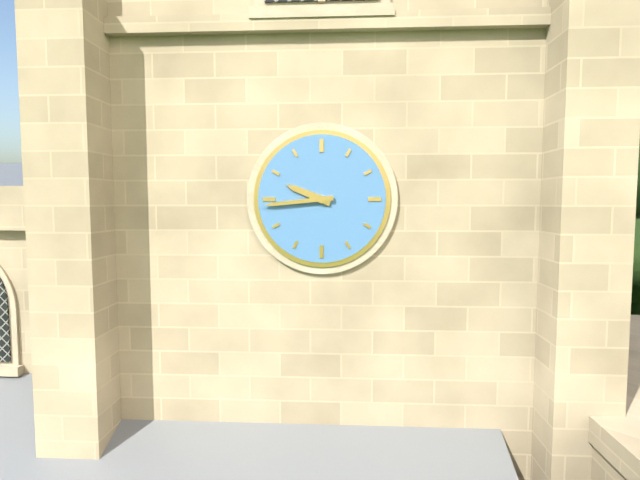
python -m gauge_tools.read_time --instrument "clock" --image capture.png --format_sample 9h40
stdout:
9h44
